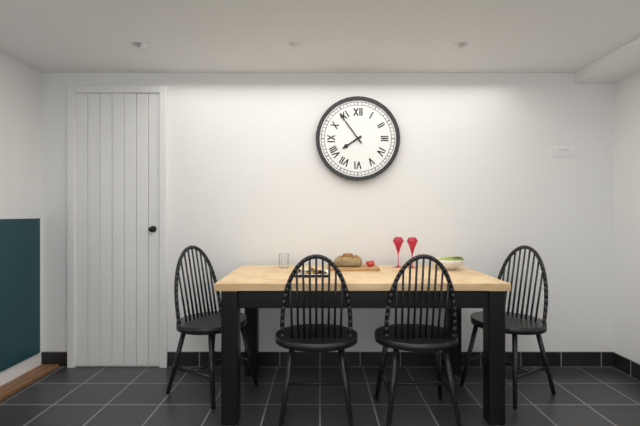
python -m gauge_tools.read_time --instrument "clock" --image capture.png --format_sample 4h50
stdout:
7h54
